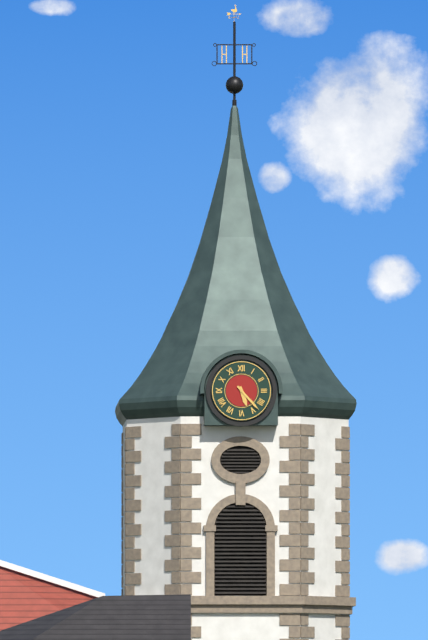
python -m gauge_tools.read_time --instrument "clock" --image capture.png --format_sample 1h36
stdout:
5h23
